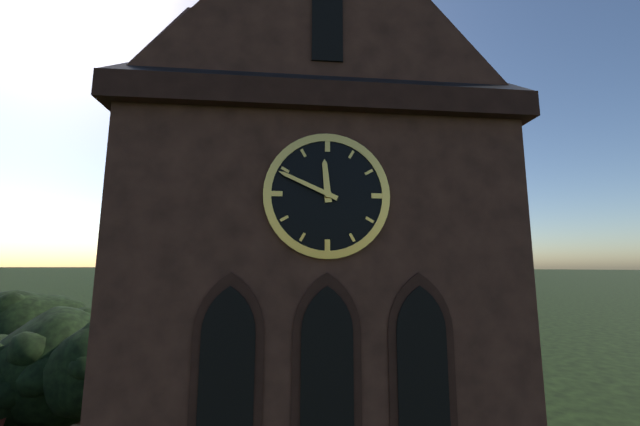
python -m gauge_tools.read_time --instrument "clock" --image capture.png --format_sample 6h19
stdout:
11h49
